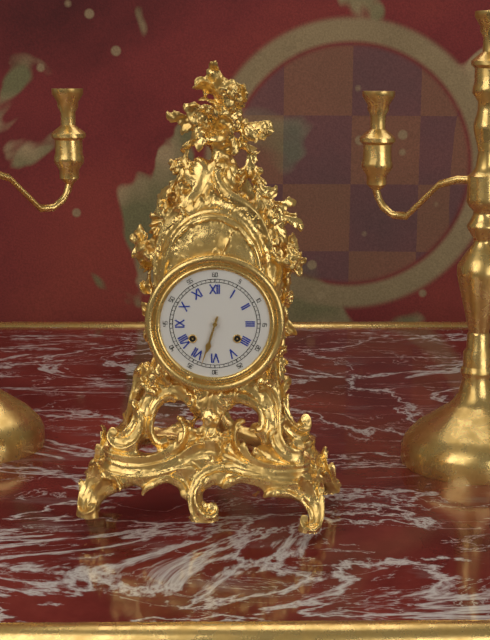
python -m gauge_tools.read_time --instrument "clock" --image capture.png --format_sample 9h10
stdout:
6h33
